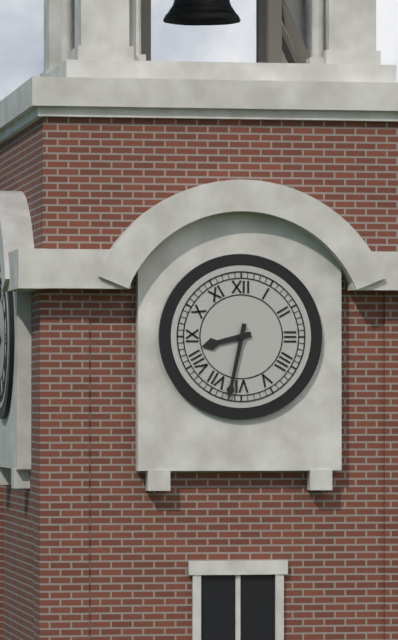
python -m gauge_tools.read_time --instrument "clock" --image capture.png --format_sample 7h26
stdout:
8h32
